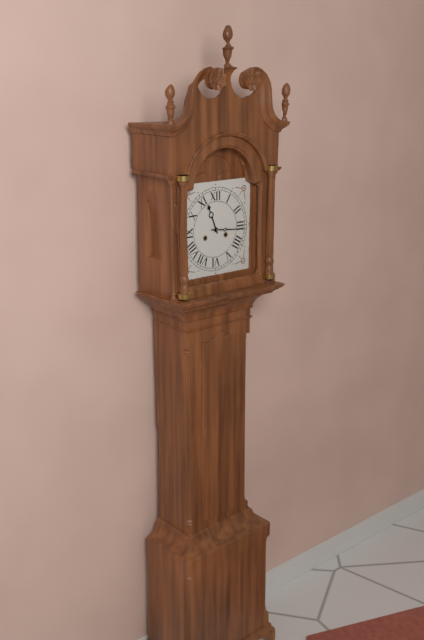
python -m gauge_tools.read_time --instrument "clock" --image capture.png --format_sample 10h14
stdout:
11h16
